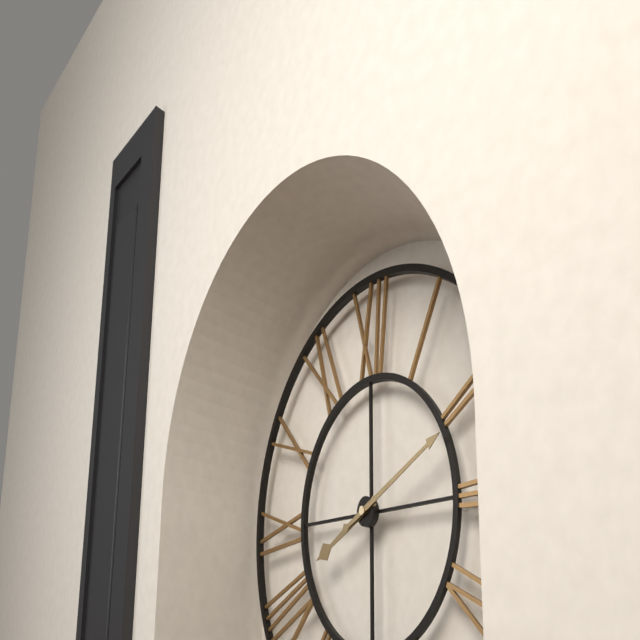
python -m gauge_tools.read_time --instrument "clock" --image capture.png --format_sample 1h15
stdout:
8h11
